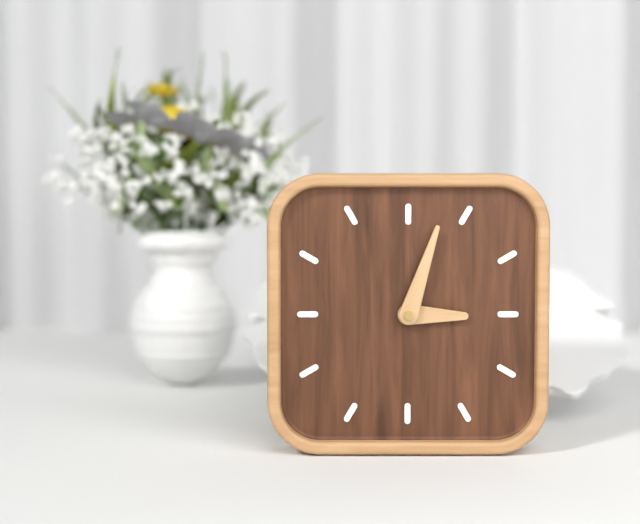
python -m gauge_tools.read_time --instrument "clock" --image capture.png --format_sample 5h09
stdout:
3h03
